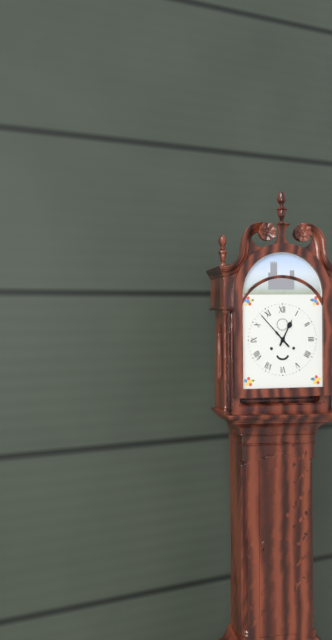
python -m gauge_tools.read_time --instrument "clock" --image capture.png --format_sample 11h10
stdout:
12h53
